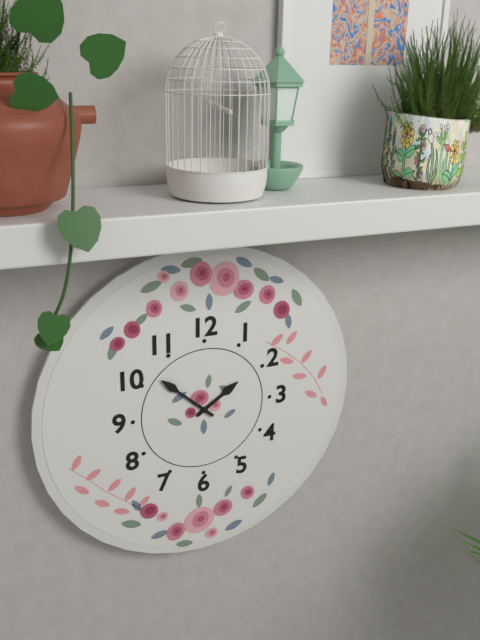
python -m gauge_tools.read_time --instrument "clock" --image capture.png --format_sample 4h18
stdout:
1h52
